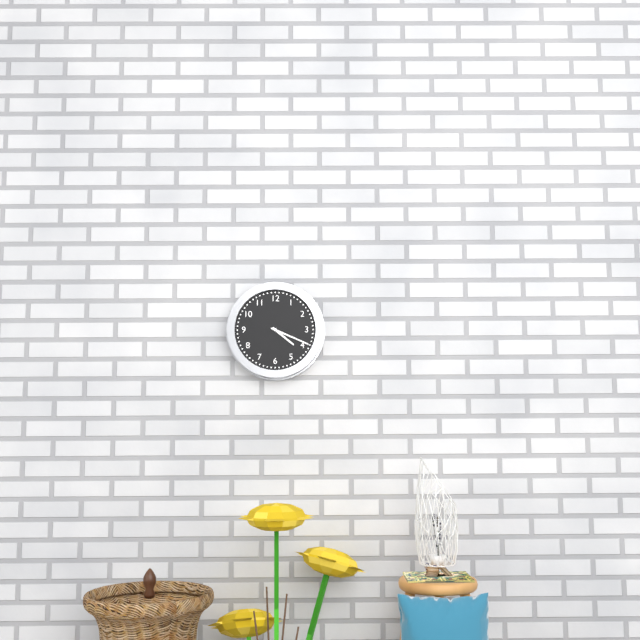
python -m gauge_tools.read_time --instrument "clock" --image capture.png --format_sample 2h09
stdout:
4h19
